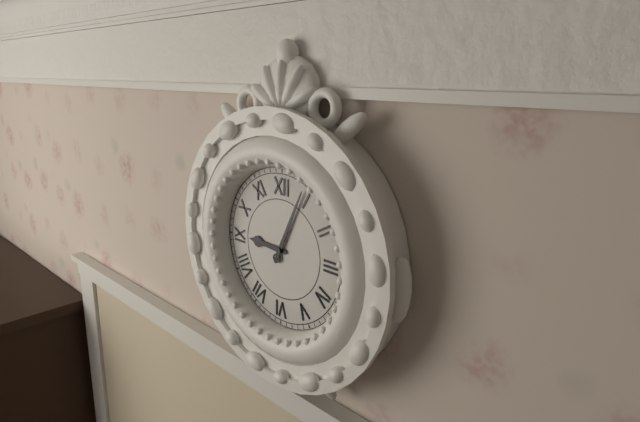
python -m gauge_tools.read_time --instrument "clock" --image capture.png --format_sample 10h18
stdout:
9h04
